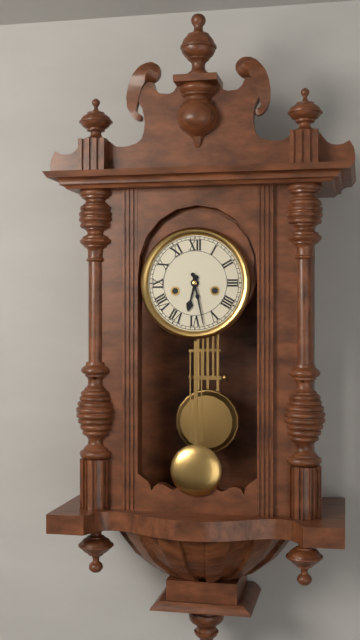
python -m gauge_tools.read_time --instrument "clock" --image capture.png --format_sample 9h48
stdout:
6h28
